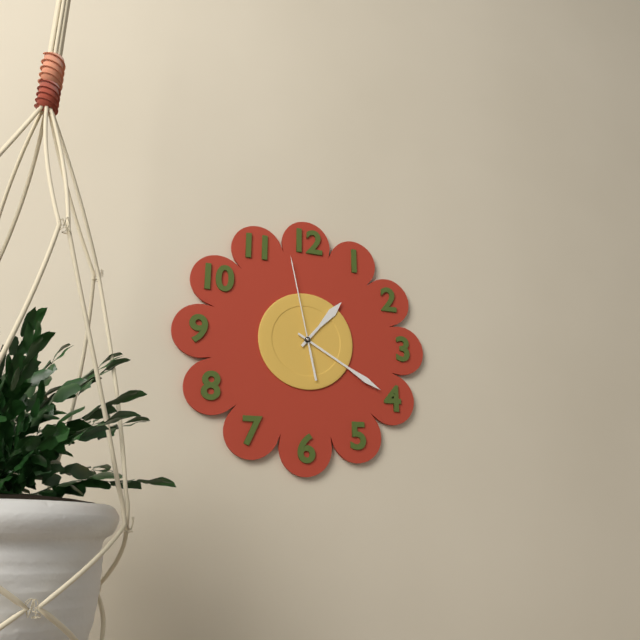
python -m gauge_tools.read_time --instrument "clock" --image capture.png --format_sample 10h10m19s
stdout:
1h20m58s
